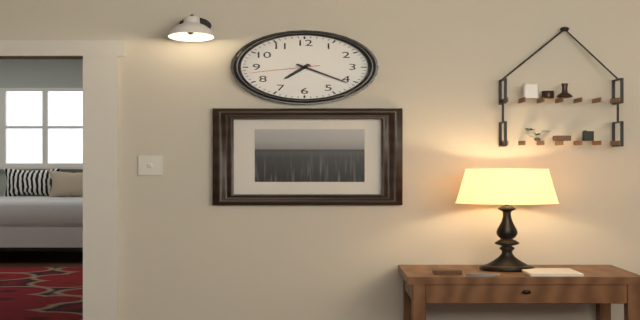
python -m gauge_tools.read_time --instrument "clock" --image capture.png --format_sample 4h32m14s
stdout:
7h21m43s
